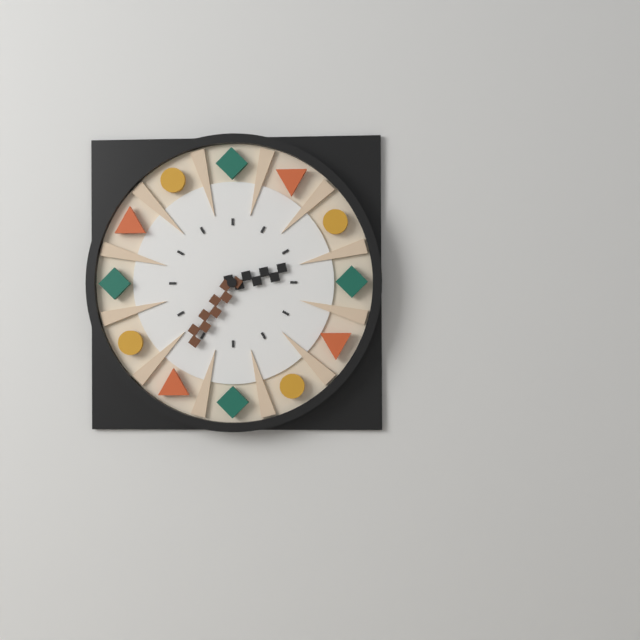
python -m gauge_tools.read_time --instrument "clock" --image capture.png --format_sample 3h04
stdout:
2h36
